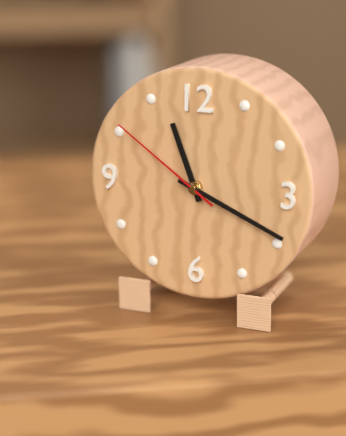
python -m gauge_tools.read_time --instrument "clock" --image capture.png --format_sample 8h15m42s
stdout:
11h19m51s
